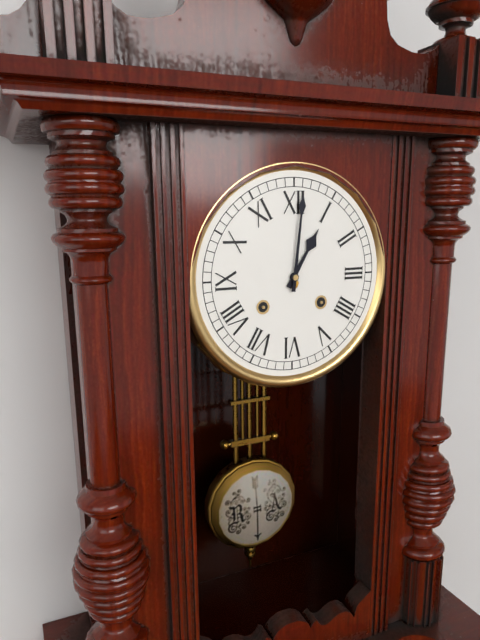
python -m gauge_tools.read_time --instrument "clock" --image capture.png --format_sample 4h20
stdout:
1h01
